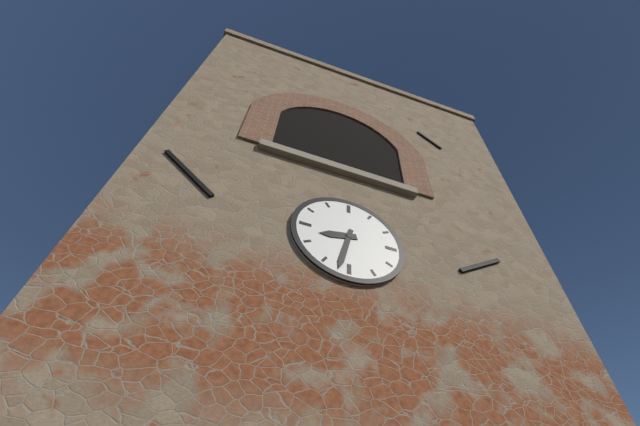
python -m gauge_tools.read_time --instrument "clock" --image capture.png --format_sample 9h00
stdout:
8h32
